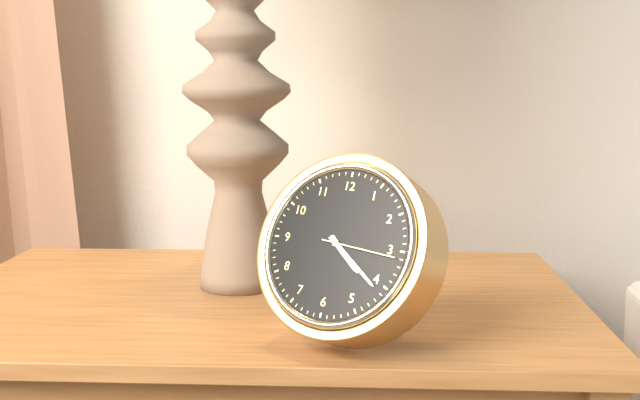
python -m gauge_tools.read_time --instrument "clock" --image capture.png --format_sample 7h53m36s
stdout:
4h21m16s
